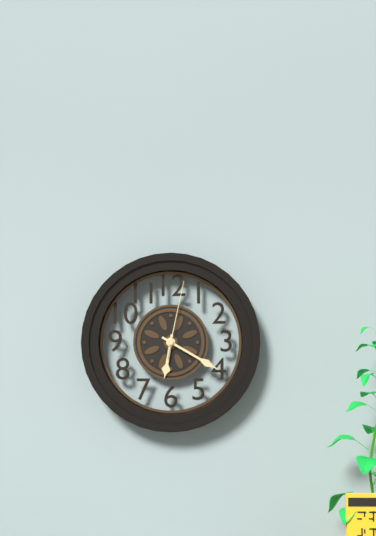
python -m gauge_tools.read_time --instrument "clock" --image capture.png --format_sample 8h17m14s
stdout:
6h20m02s
